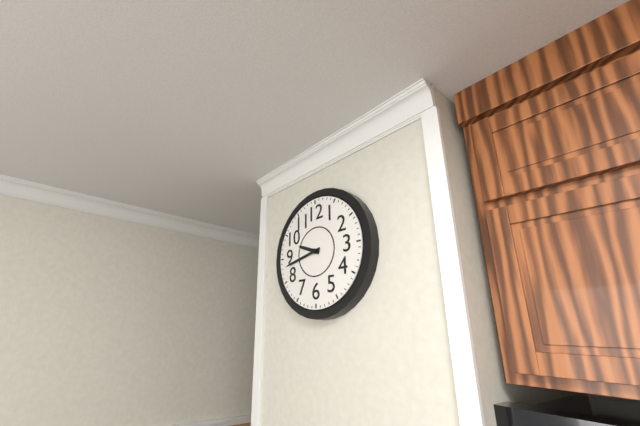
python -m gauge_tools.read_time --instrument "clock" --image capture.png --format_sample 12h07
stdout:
9h43
